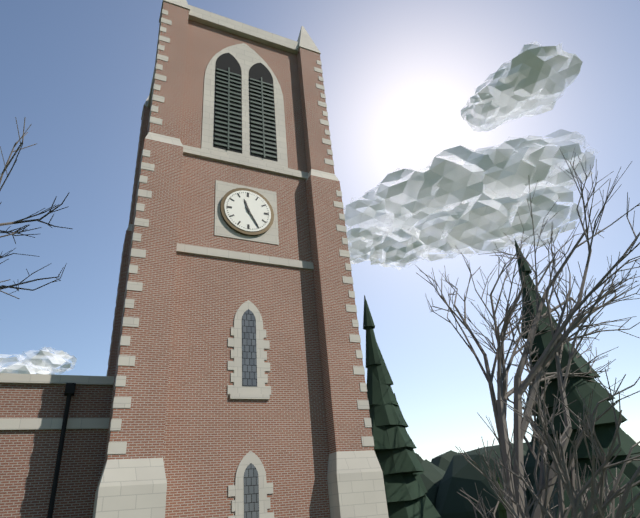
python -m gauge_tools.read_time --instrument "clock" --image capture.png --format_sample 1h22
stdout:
11h25
